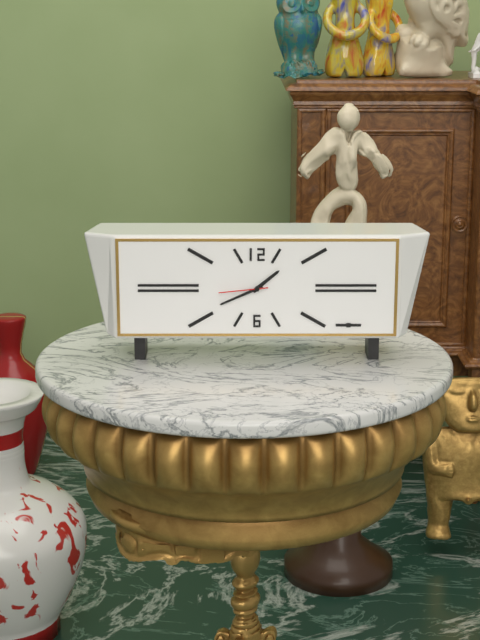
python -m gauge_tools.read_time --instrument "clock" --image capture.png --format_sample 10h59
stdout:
1h41
